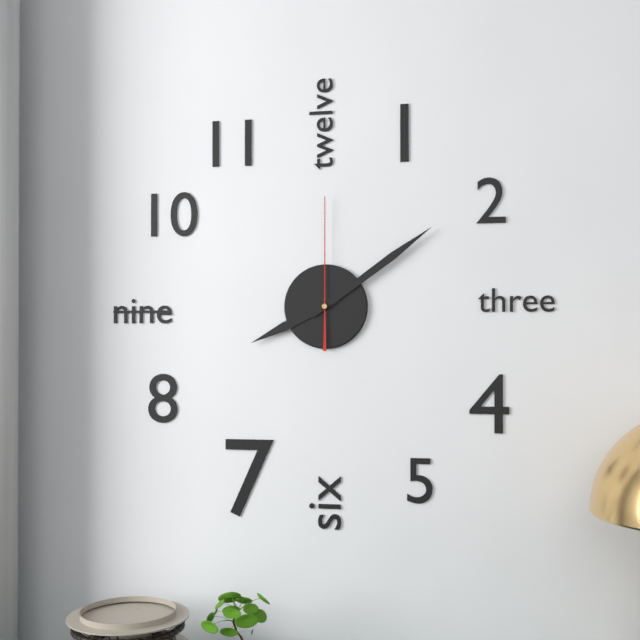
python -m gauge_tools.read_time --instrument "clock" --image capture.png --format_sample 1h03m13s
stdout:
8h09m00s
